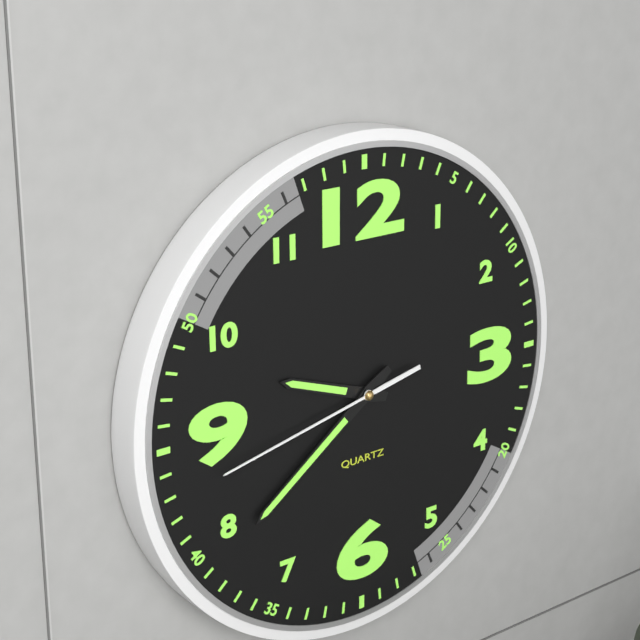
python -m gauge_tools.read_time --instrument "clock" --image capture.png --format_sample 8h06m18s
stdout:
9h39m43s
